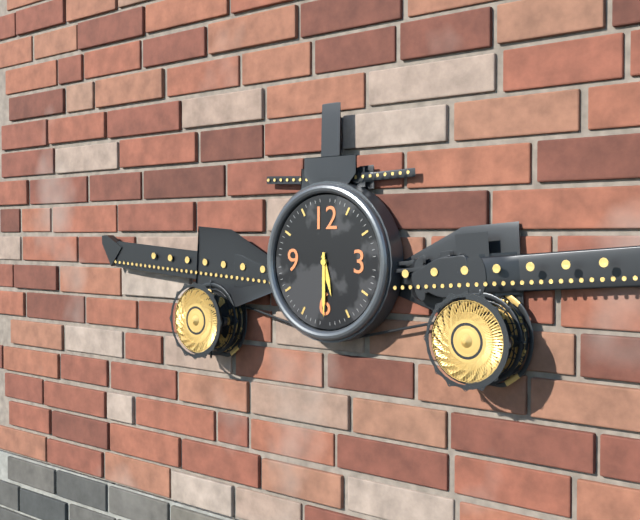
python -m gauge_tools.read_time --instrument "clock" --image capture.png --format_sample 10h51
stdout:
5h30
